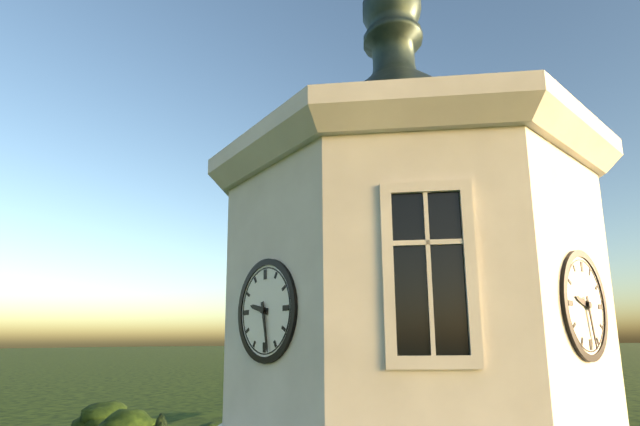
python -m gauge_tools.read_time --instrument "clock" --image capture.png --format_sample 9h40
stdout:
9h28
